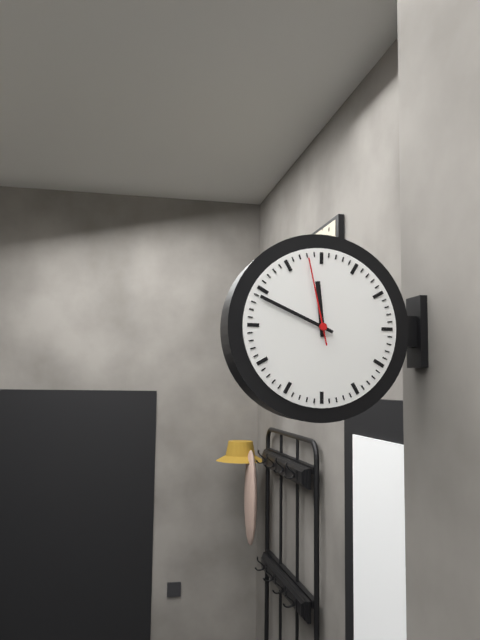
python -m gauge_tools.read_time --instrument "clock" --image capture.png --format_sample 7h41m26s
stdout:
11h49m58s
